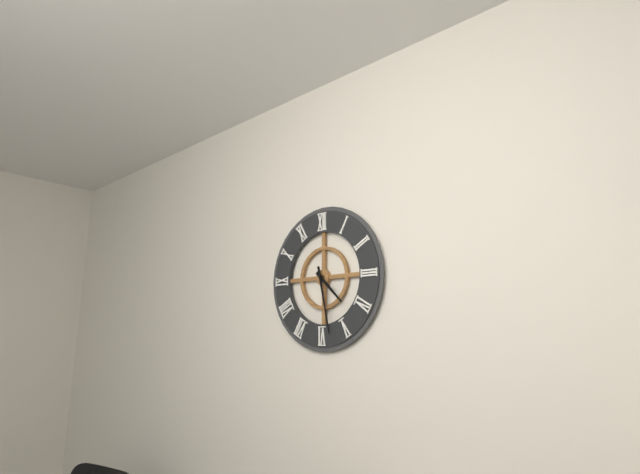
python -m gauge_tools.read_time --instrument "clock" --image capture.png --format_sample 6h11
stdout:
4h28
